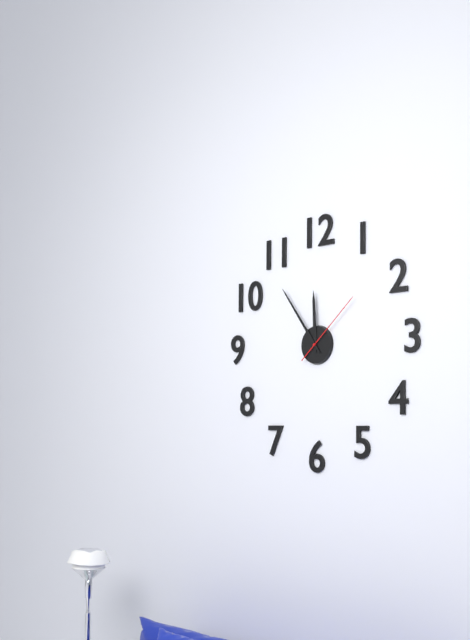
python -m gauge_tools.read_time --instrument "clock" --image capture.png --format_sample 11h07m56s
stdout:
11h54m08s
